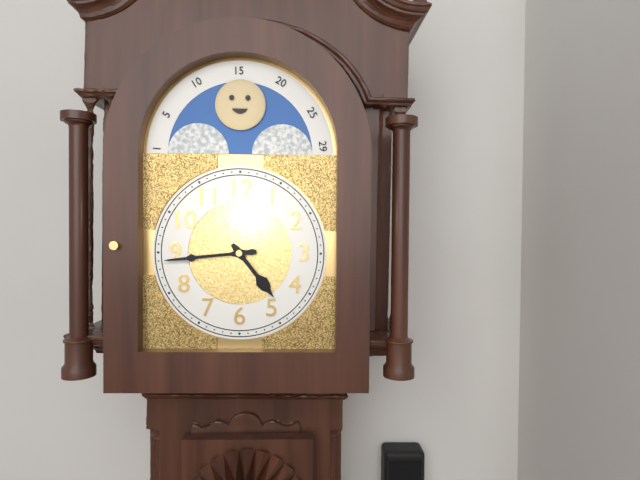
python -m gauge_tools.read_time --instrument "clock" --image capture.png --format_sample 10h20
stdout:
4h44
